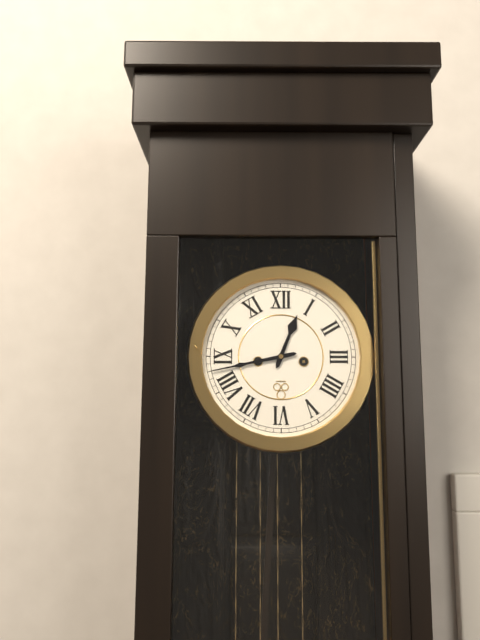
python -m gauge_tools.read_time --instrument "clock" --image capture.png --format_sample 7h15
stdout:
12h43
